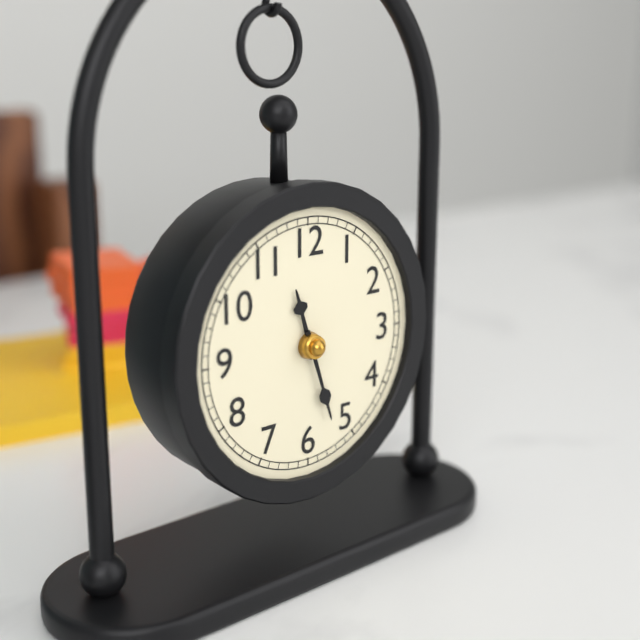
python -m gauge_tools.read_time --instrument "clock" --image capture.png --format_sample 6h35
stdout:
11h27
